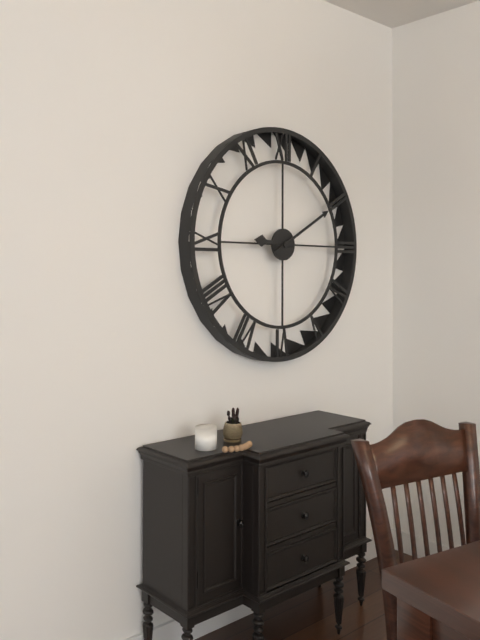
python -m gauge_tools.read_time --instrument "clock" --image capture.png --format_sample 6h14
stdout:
9h10
